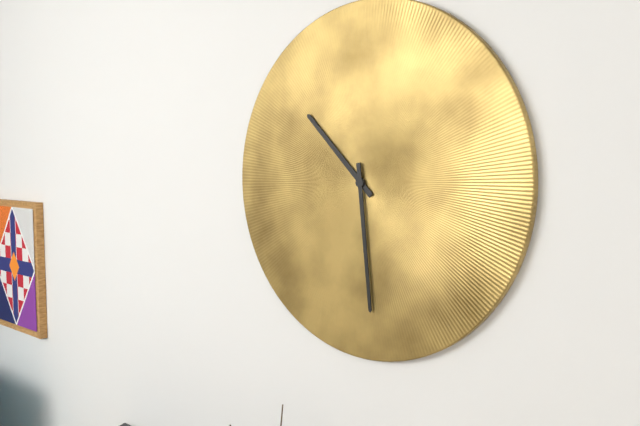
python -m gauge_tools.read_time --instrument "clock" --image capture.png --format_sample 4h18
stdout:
10h29
